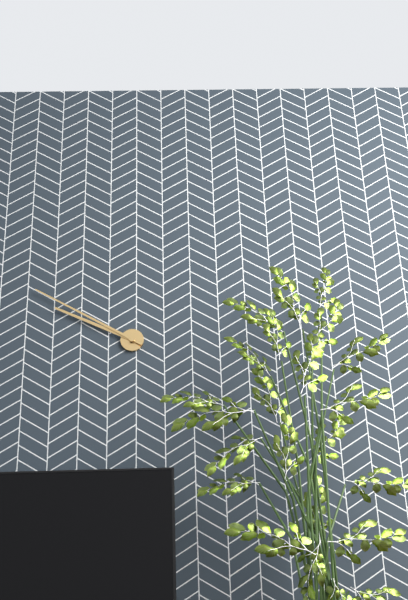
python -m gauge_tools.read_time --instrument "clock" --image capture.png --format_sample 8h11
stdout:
9h50
